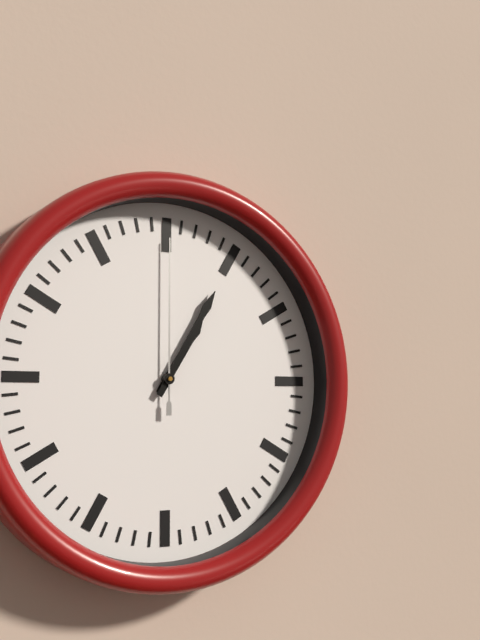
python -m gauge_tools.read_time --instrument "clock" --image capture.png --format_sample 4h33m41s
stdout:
1h05m00s
